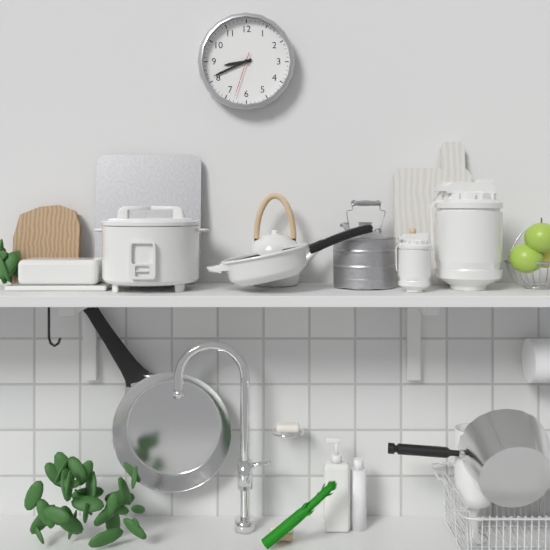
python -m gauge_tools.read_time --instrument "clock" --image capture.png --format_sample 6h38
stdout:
8h41
